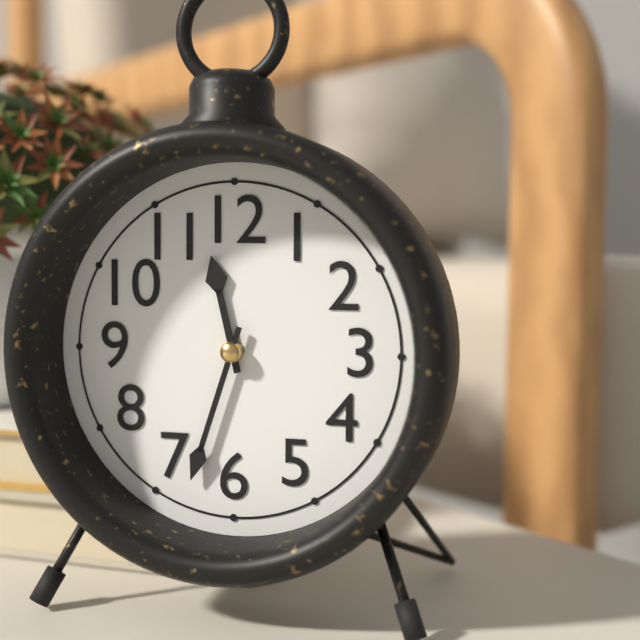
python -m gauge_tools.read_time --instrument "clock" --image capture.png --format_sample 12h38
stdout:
11h33
